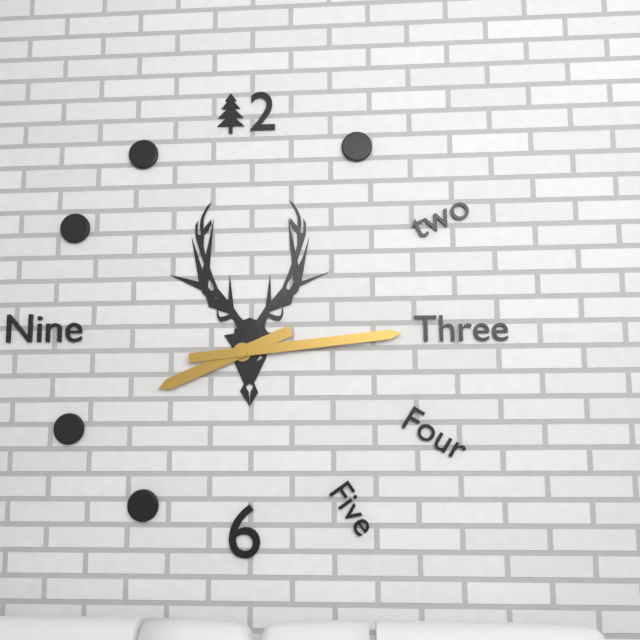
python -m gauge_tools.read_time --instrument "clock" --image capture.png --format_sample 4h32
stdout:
8h14
